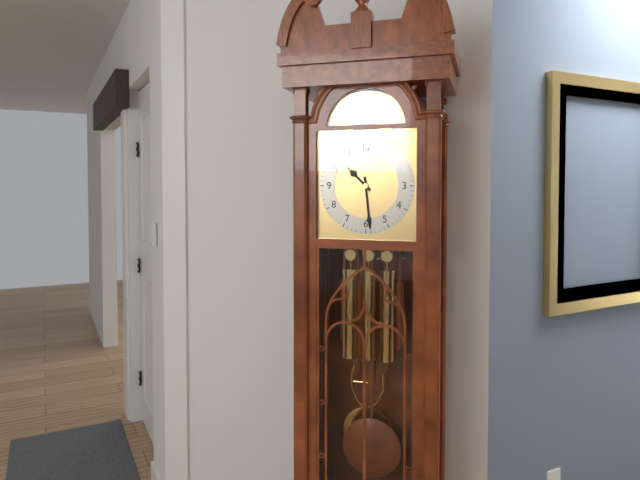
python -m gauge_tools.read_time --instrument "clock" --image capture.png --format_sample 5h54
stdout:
10h29
